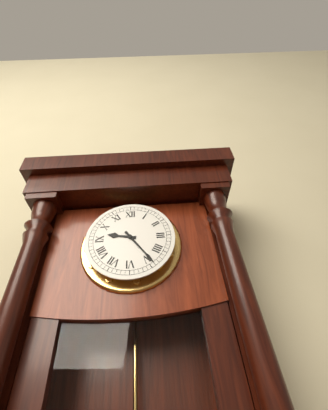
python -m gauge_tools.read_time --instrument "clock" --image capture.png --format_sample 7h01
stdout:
9h24
